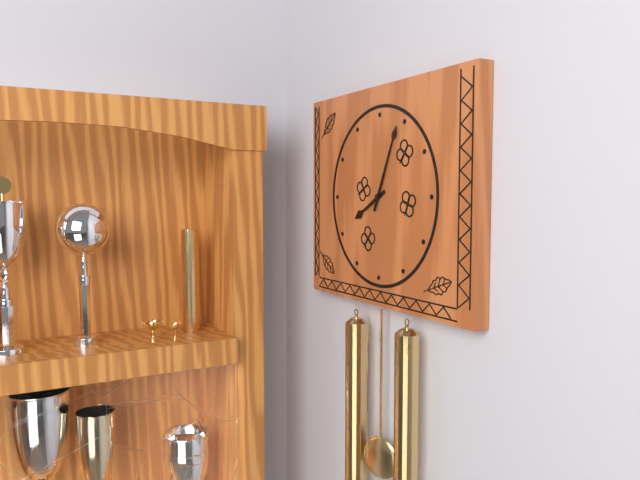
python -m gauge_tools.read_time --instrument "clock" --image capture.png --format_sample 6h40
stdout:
8h04
